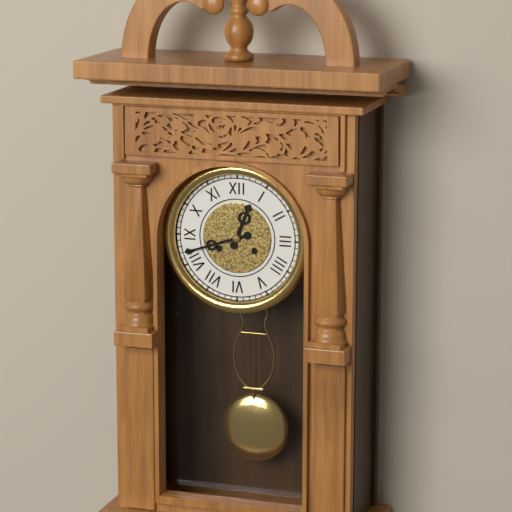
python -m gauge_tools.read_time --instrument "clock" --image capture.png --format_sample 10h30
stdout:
12h42
